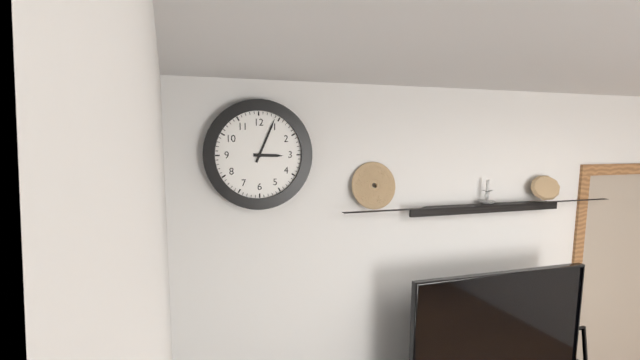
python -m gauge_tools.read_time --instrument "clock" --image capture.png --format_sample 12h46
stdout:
3h04
